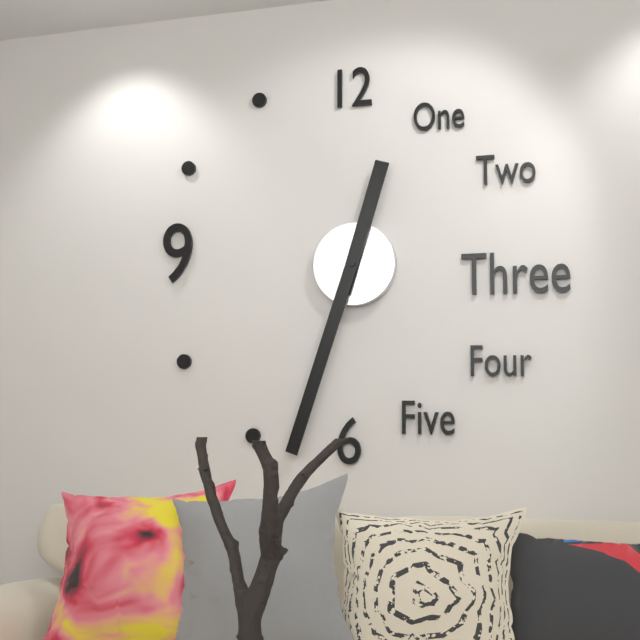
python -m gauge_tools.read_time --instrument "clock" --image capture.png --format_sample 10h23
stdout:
12h33
